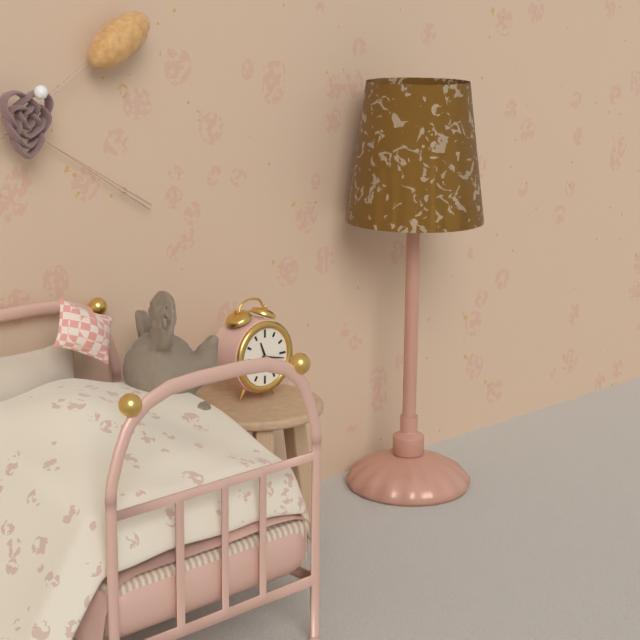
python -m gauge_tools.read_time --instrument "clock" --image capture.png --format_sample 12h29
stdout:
11h17
